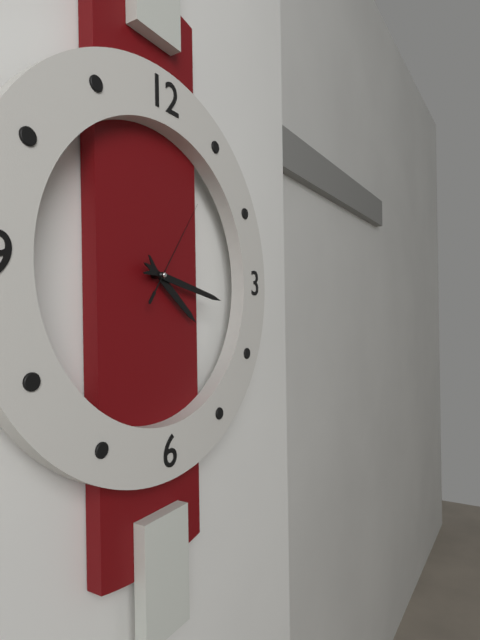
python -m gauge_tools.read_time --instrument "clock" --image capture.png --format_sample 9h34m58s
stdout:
4h17m06s
